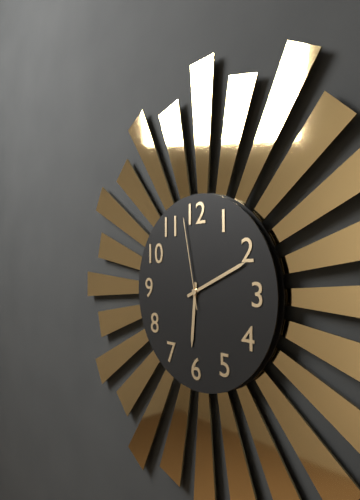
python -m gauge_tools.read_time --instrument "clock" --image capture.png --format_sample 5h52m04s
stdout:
6h11m58s
